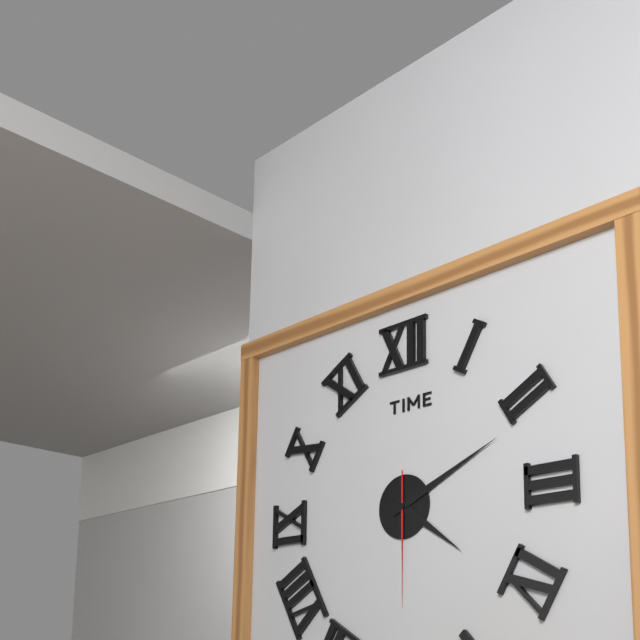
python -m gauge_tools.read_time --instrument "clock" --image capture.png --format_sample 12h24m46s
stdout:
4h11m30s
